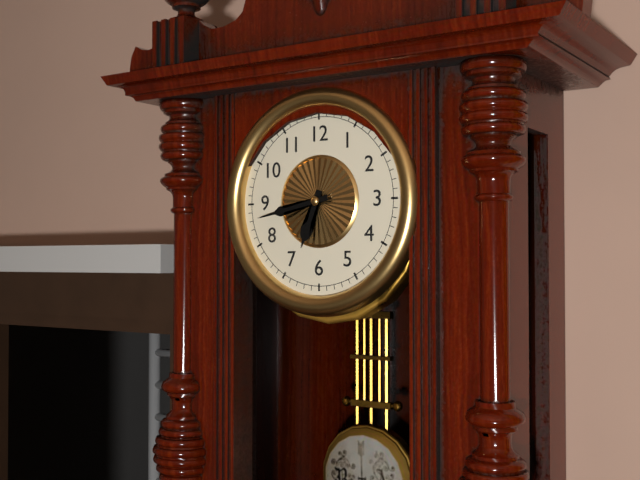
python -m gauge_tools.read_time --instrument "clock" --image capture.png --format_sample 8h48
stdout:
6h43
